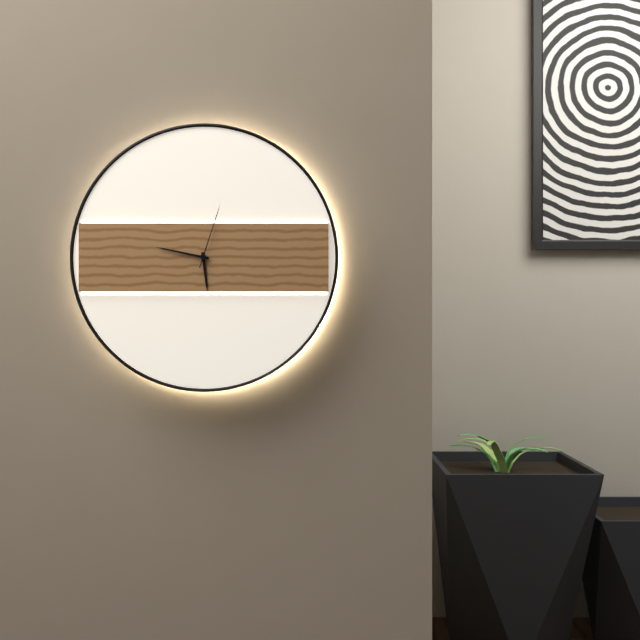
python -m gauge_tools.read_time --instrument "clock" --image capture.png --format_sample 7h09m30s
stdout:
5h47m03s
